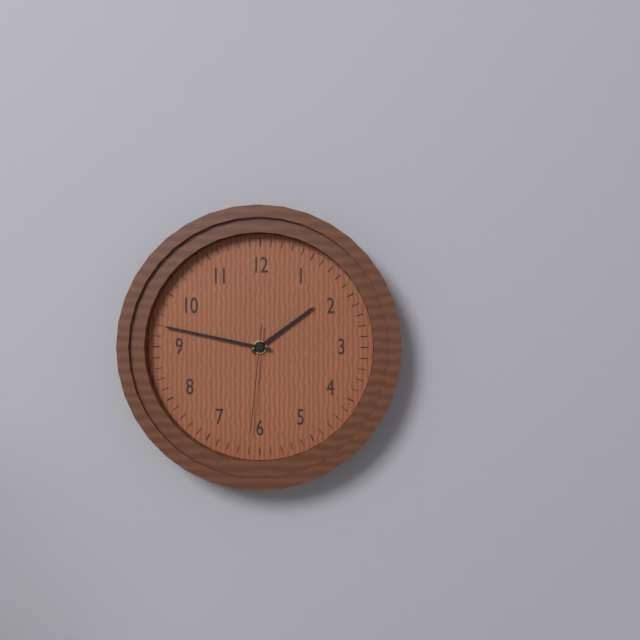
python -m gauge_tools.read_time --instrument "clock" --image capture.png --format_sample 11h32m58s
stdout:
1h47m31s
